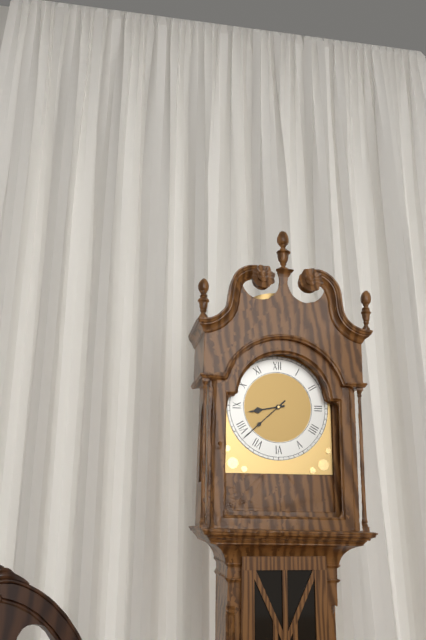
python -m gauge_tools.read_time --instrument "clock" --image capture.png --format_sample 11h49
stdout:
8h38
